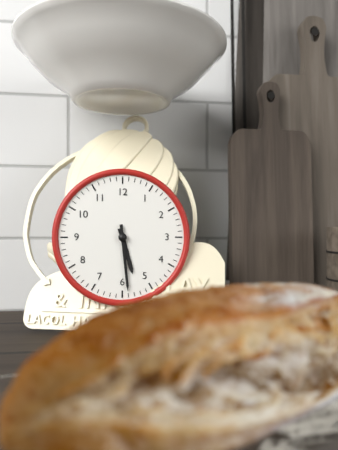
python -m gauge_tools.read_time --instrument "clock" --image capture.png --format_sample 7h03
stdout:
5h29
